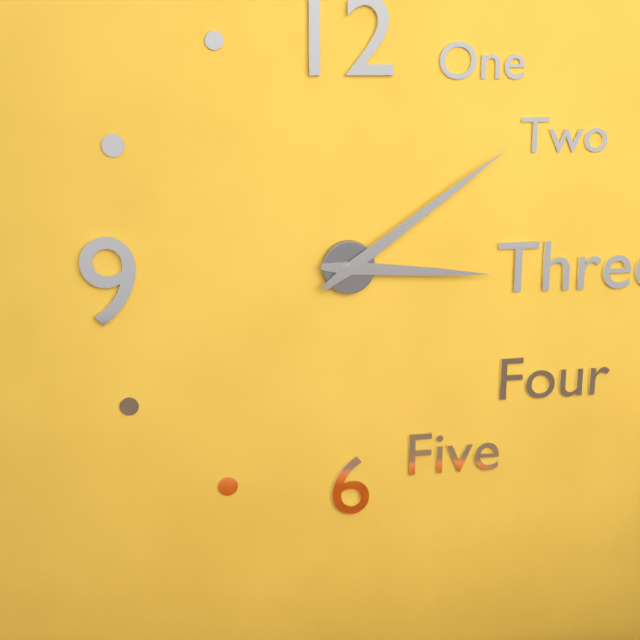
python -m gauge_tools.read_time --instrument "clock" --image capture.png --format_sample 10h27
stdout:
3h09
